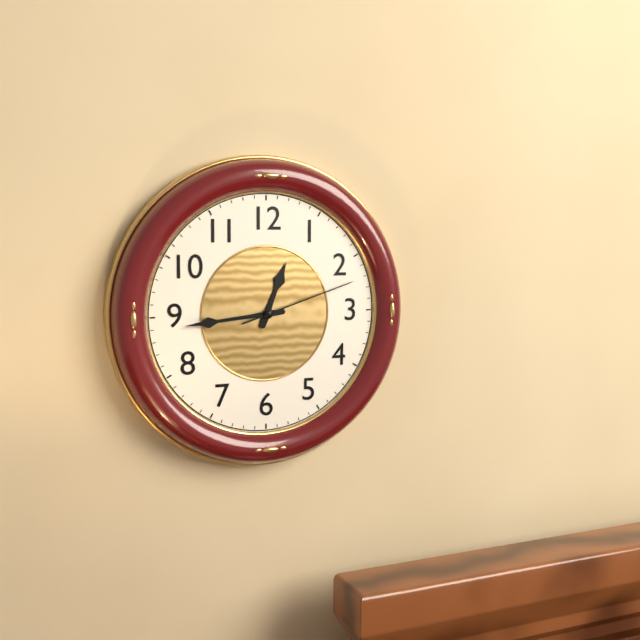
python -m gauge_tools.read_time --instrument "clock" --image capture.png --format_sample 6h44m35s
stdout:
12h44m12s
